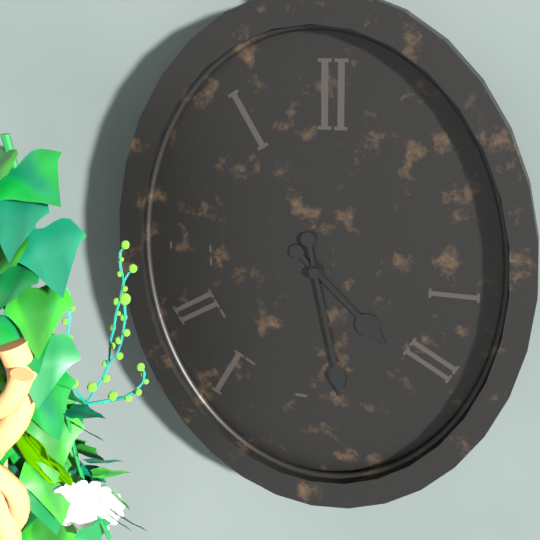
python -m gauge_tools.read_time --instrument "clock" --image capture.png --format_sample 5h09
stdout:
4h28
